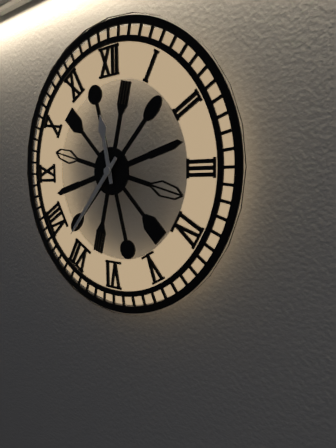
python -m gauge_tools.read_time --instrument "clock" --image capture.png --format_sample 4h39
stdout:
11h37
